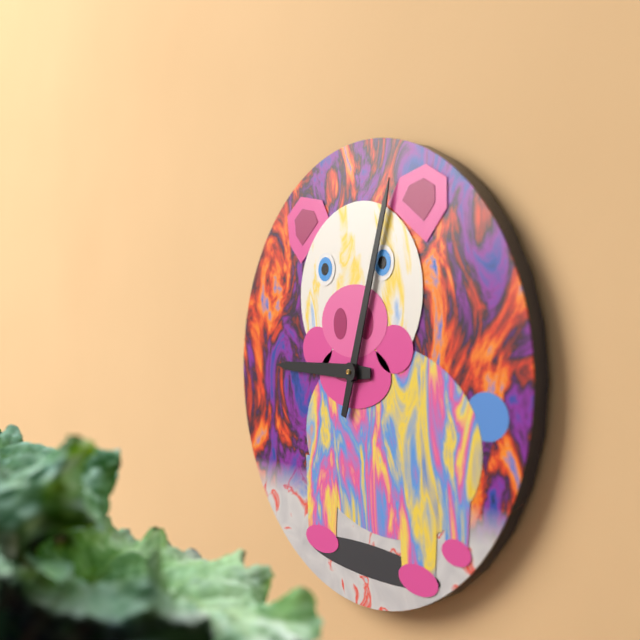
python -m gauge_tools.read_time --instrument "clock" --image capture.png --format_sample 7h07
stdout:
9h03
